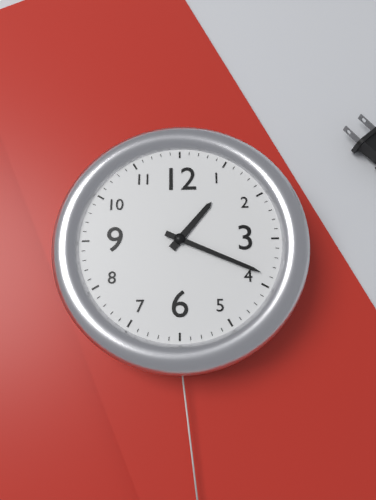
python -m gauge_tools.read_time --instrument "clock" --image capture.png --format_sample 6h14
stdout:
1h19
